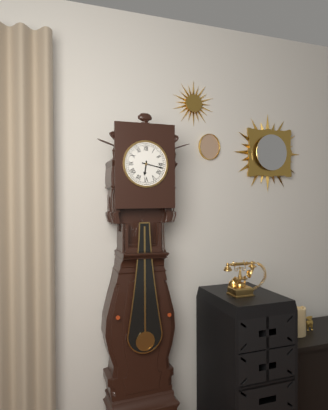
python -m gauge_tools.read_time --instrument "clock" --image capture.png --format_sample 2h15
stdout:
6h17
